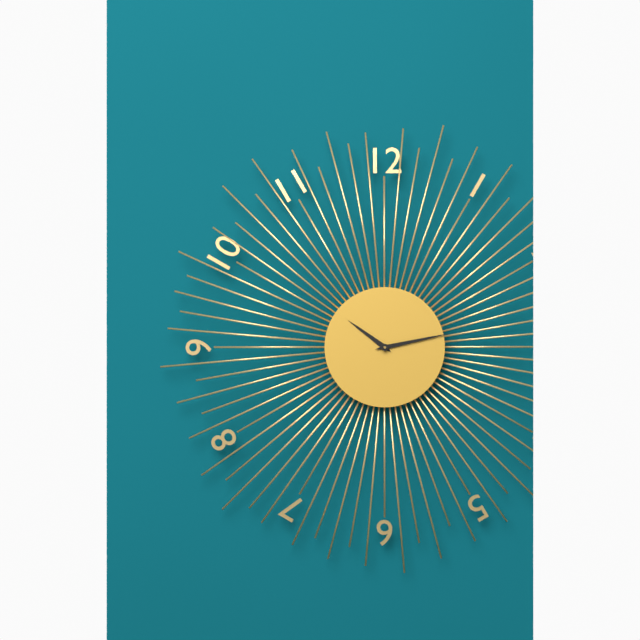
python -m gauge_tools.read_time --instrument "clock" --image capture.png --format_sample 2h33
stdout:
10h13
